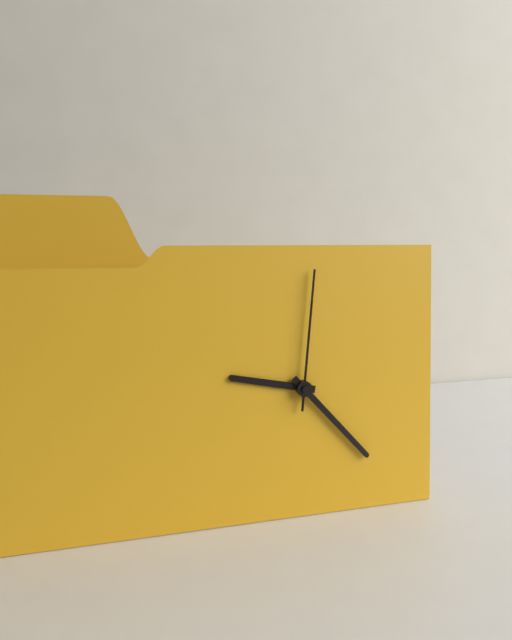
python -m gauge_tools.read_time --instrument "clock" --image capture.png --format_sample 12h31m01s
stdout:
9h23m01s
